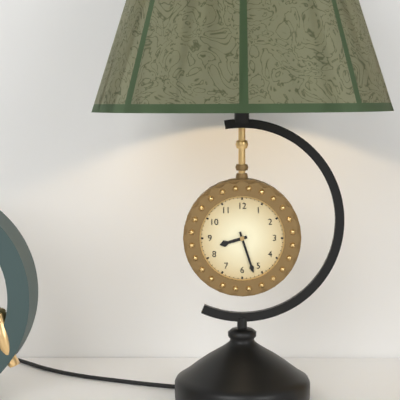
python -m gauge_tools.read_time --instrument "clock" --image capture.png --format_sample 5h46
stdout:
8h27
